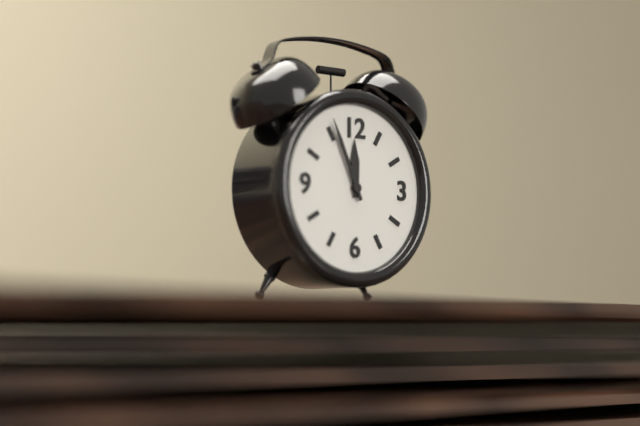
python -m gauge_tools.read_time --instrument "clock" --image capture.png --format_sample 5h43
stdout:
11h56
